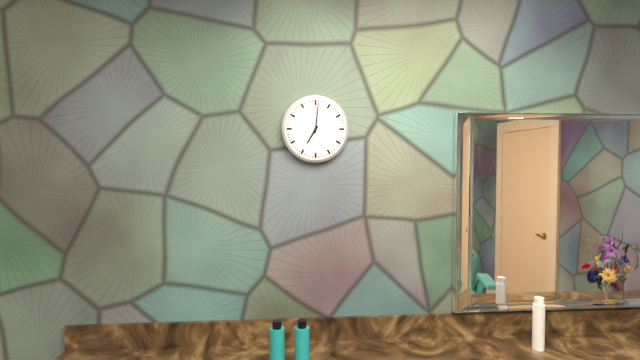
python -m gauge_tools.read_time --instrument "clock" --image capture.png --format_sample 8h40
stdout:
7h01
